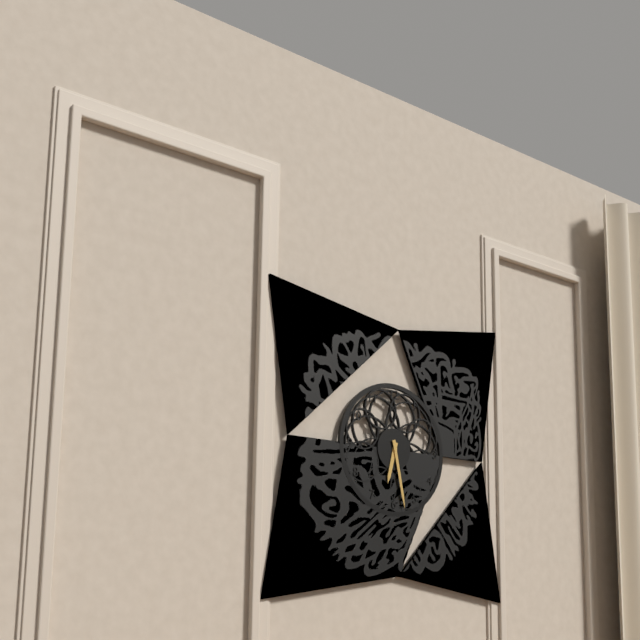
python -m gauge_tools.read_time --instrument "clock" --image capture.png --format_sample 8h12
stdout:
6h28
